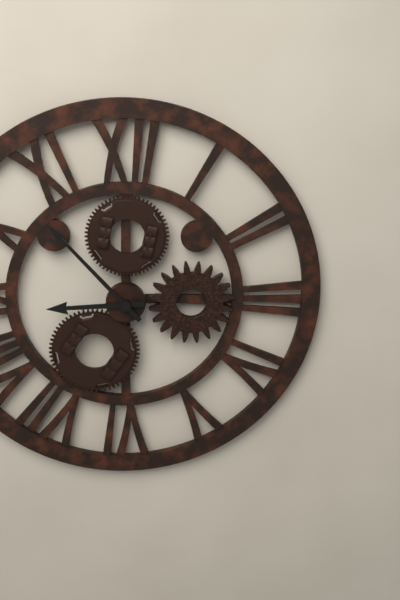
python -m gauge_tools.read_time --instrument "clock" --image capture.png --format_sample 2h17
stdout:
8h53
